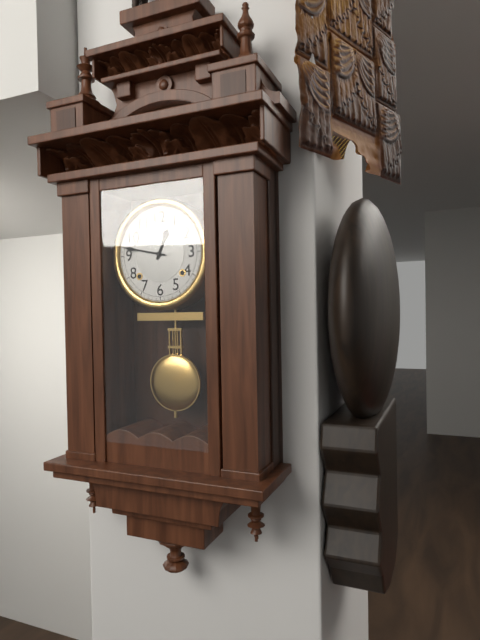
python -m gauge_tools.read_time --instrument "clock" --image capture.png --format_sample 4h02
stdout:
12h47
